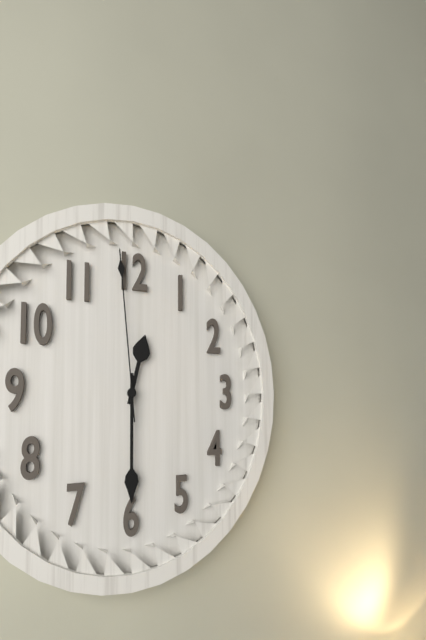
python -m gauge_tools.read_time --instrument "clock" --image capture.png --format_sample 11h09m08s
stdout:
12h30m59s
